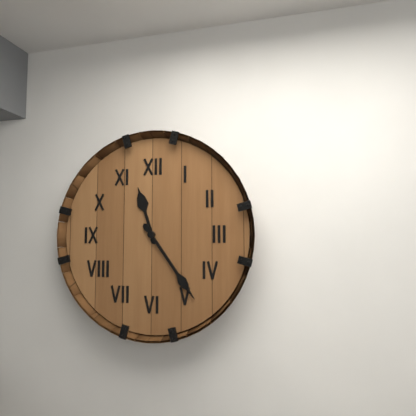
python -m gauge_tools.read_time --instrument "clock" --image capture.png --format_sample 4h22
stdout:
11h24
